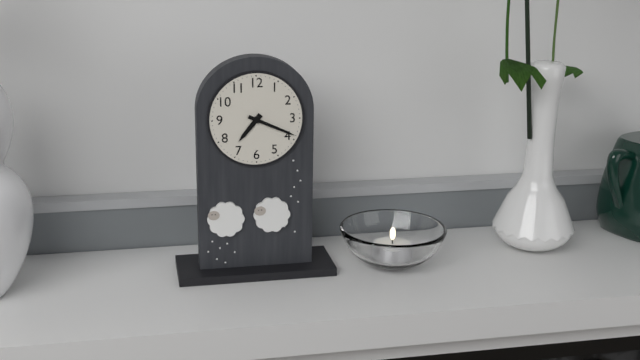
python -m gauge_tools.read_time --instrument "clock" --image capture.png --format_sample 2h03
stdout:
7h19
